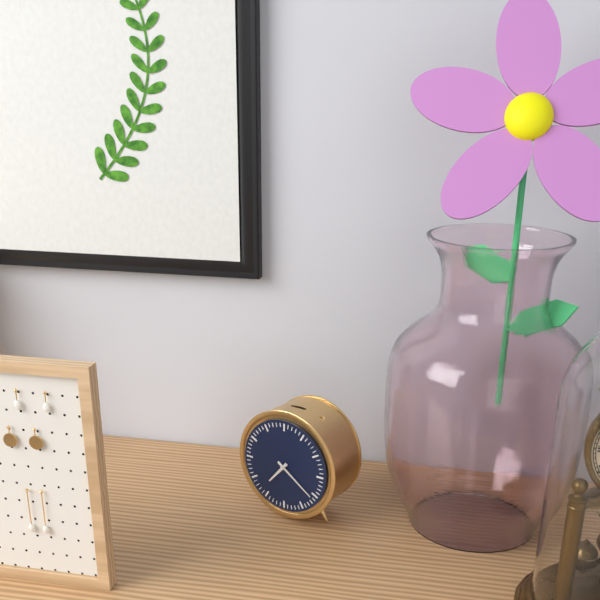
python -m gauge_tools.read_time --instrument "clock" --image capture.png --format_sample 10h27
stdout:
7h21
